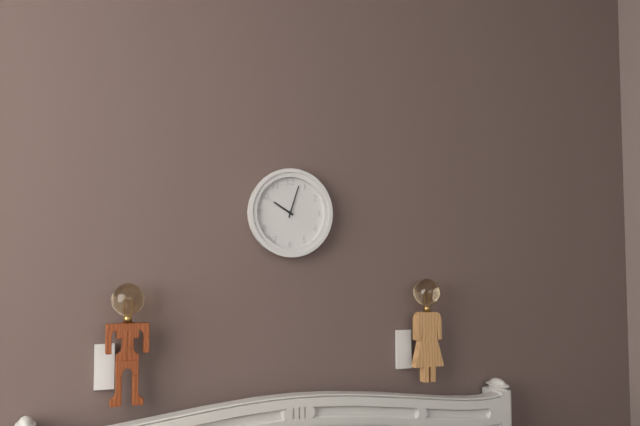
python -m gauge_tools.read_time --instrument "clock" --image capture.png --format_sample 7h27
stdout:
10h03
